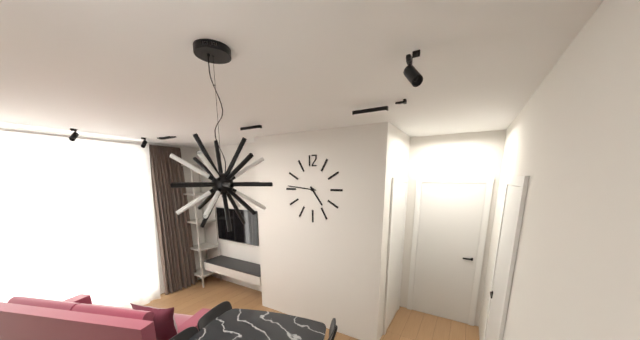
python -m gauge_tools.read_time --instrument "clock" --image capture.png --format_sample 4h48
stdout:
4h46
